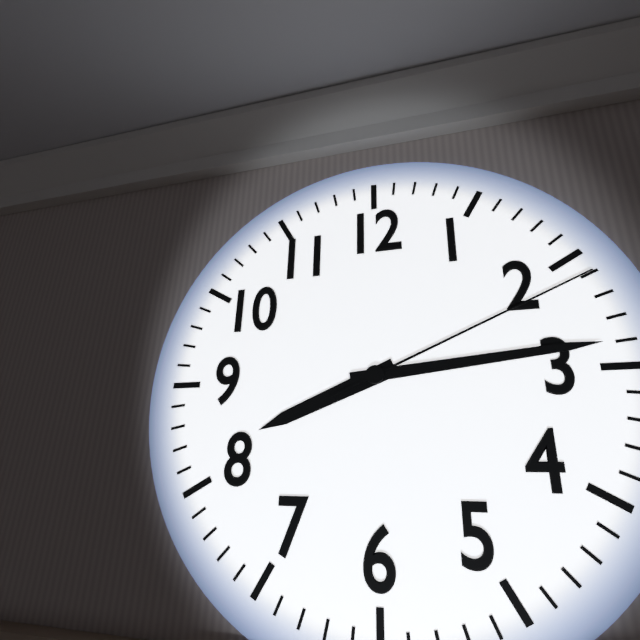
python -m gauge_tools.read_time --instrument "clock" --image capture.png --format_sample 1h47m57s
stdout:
8h14m11s
